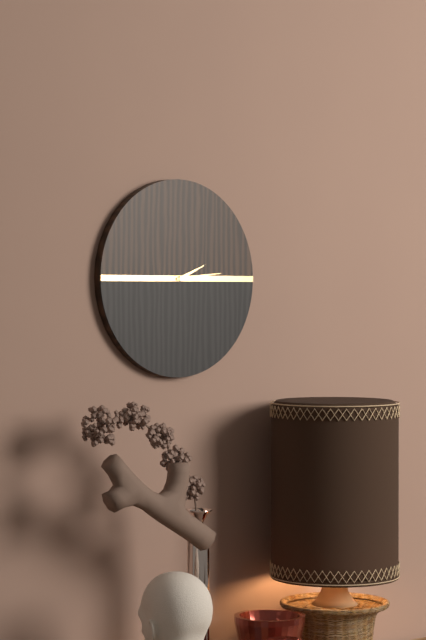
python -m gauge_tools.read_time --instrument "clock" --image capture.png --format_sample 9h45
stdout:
2h14
